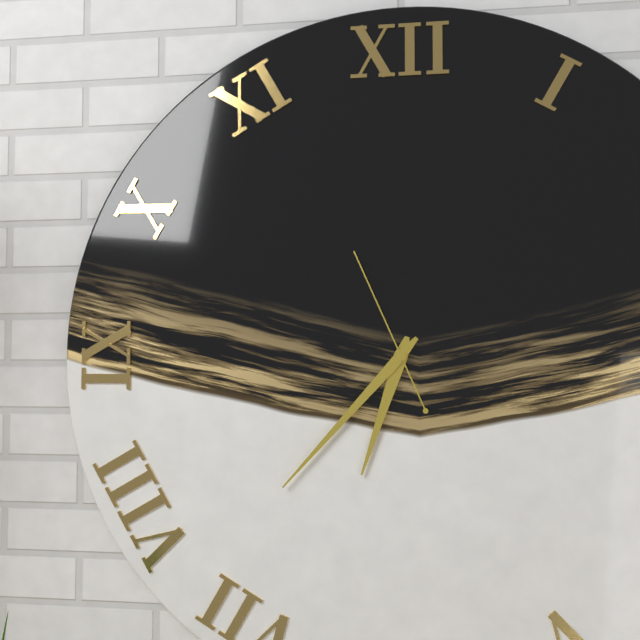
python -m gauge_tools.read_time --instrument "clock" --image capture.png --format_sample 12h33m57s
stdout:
6h37m56s
